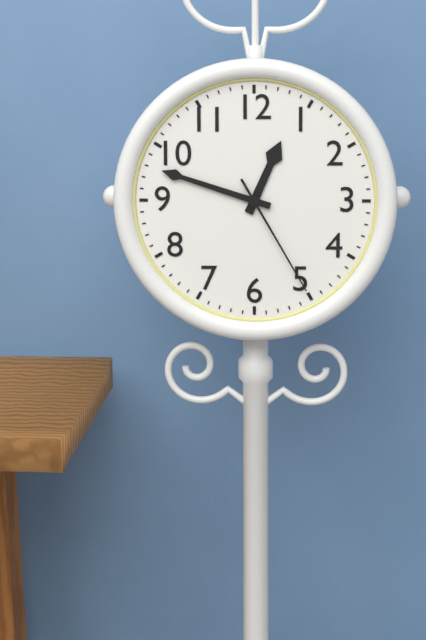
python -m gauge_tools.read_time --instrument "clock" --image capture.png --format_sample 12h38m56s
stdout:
12h48m25s
